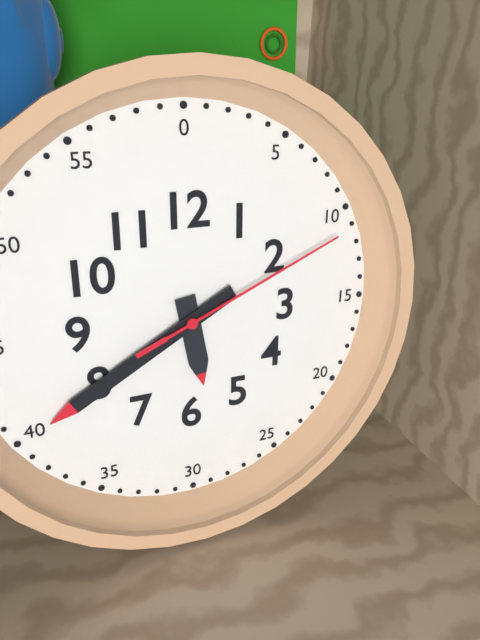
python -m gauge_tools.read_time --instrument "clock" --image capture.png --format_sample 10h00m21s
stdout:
5h40m11s
